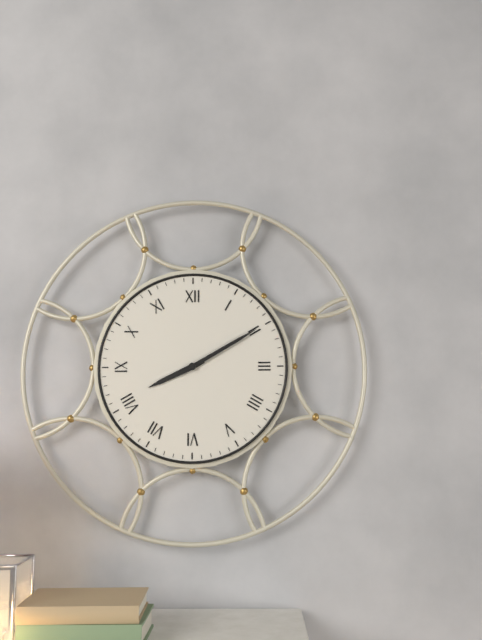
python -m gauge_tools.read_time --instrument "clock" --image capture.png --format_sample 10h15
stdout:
8h10
